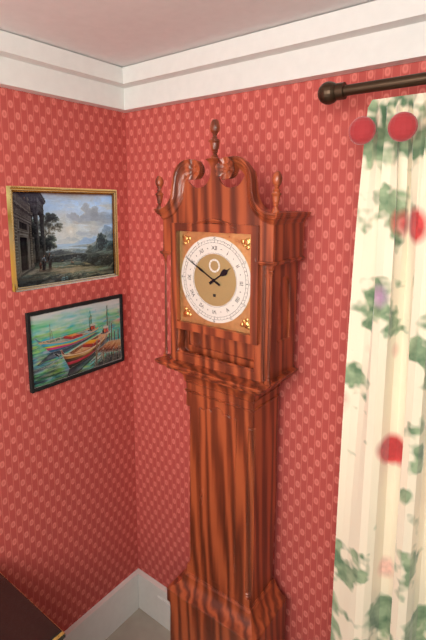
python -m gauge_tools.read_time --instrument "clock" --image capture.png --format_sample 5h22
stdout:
1h50
